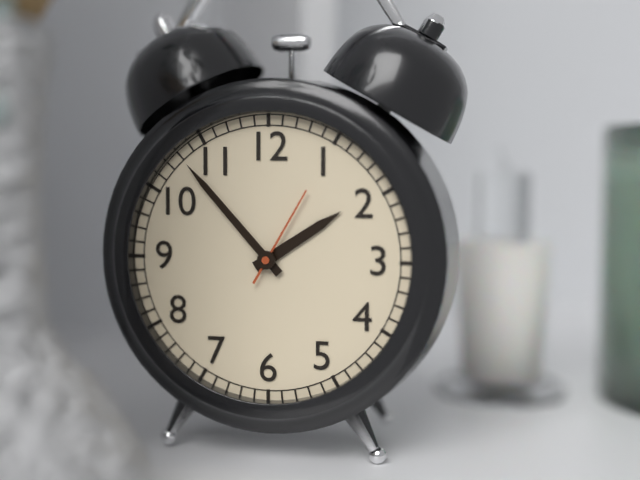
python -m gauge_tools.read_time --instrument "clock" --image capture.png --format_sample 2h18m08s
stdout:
1h53m05s
